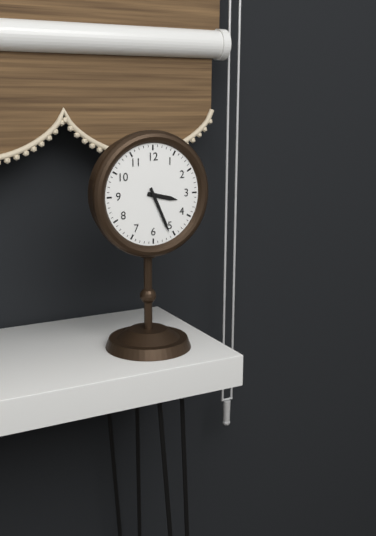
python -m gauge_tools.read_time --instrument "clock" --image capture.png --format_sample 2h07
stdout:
3h26
